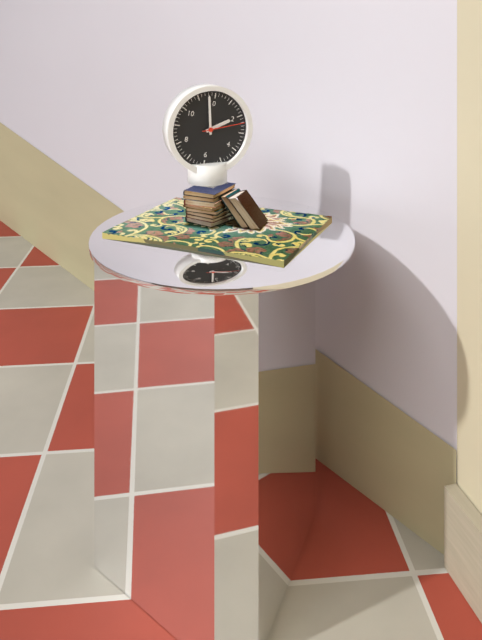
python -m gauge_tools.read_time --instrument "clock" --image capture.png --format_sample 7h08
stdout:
1h58
